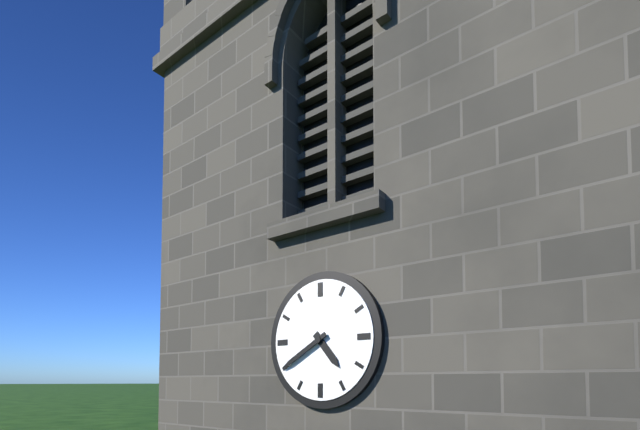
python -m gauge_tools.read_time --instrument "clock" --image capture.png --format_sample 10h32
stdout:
4h40
